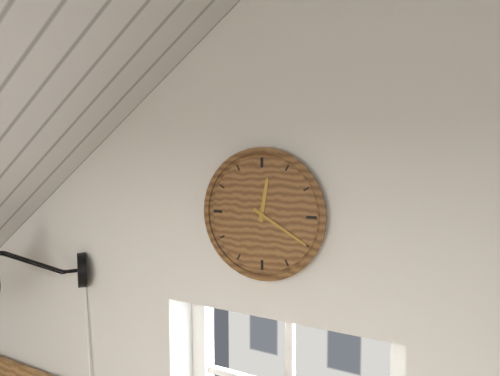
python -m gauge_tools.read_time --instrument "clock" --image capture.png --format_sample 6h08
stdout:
12h20
